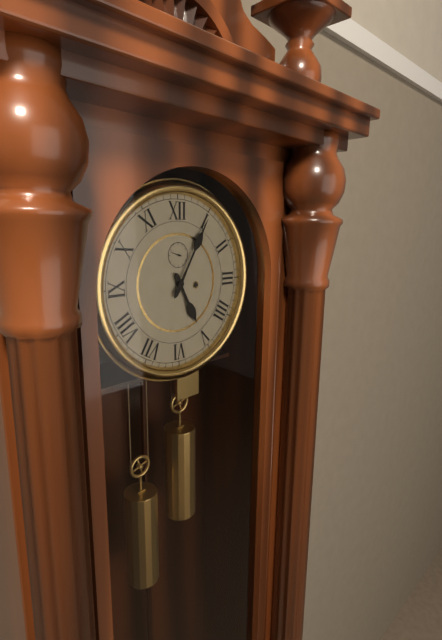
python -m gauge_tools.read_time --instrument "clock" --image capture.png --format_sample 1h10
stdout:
5h05
